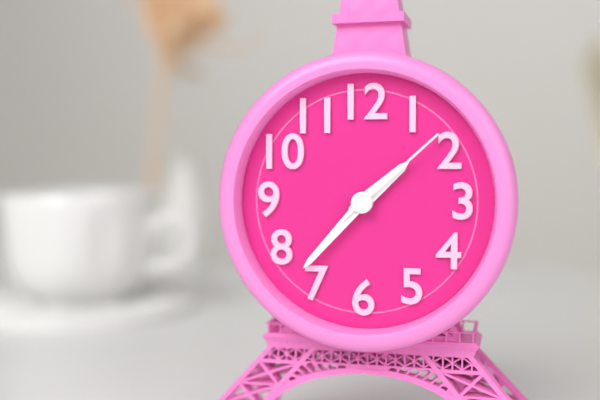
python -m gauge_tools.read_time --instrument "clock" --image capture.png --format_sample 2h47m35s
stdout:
1h37m08s
